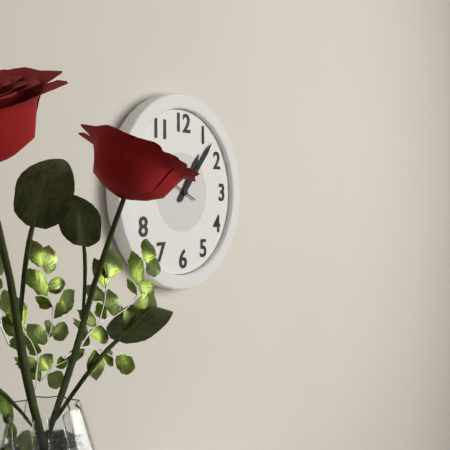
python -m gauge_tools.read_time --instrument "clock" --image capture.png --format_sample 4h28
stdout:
1h07
